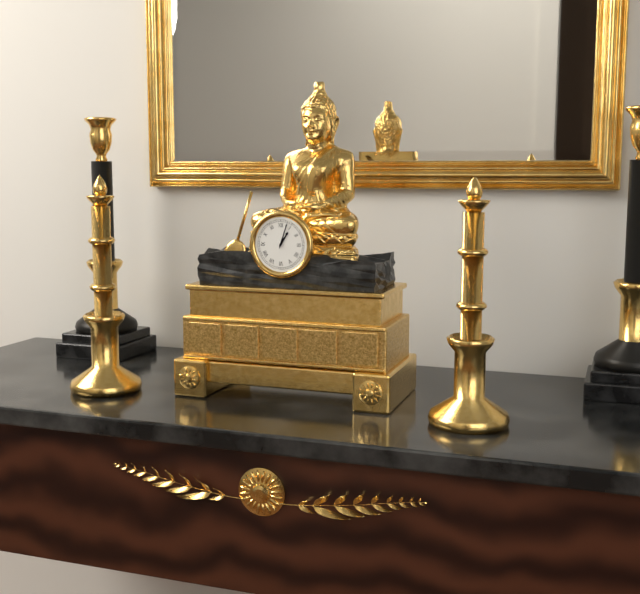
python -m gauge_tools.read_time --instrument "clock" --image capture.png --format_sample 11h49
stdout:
1h03
